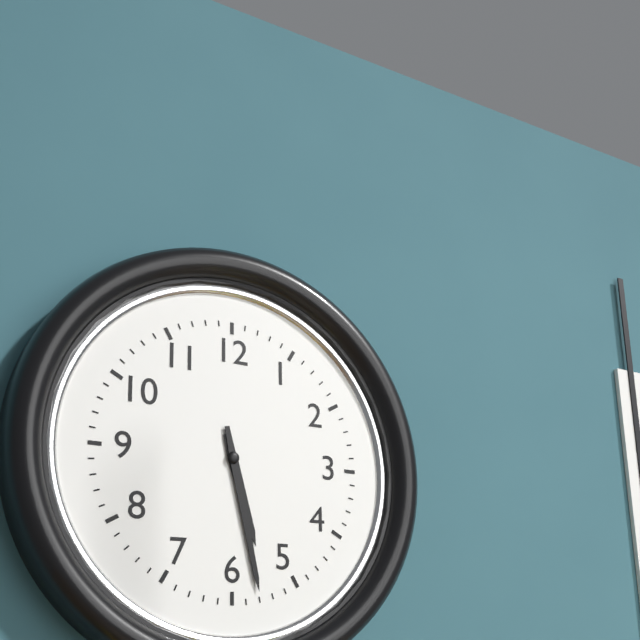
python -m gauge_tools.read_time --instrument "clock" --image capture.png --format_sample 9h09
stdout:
5h28
